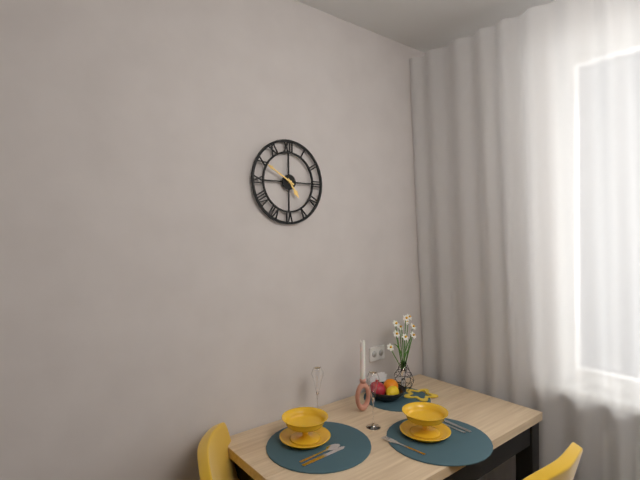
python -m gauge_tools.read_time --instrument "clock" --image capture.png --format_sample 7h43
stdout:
4h50
